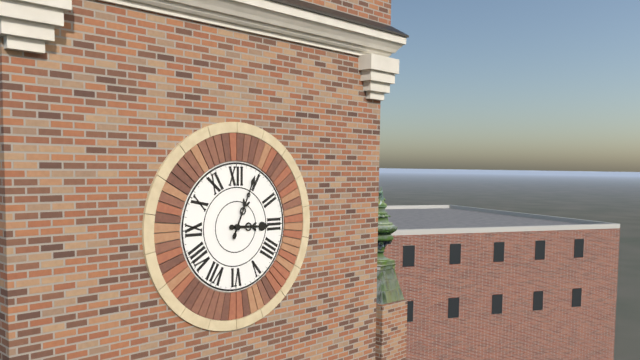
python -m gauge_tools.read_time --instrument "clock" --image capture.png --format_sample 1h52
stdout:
3h04
